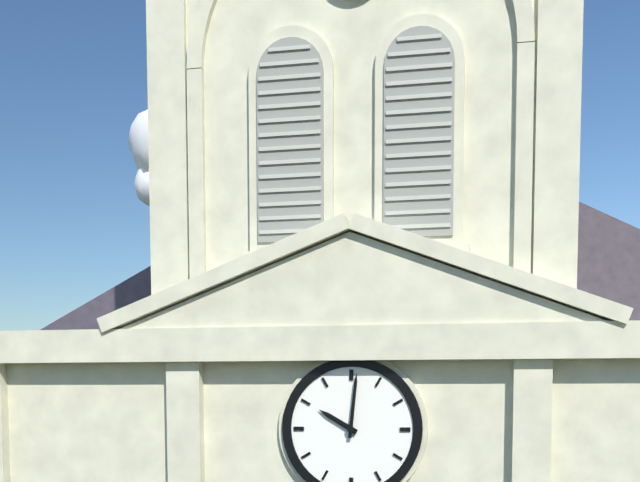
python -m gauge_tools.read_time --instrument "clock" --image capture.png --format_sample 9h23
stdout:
10h01
